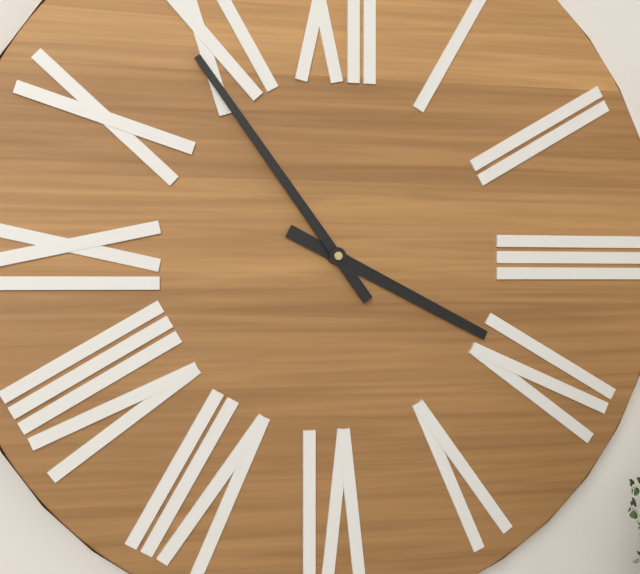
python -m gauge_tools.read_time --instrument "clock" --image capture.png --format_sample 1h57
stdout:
3h54
